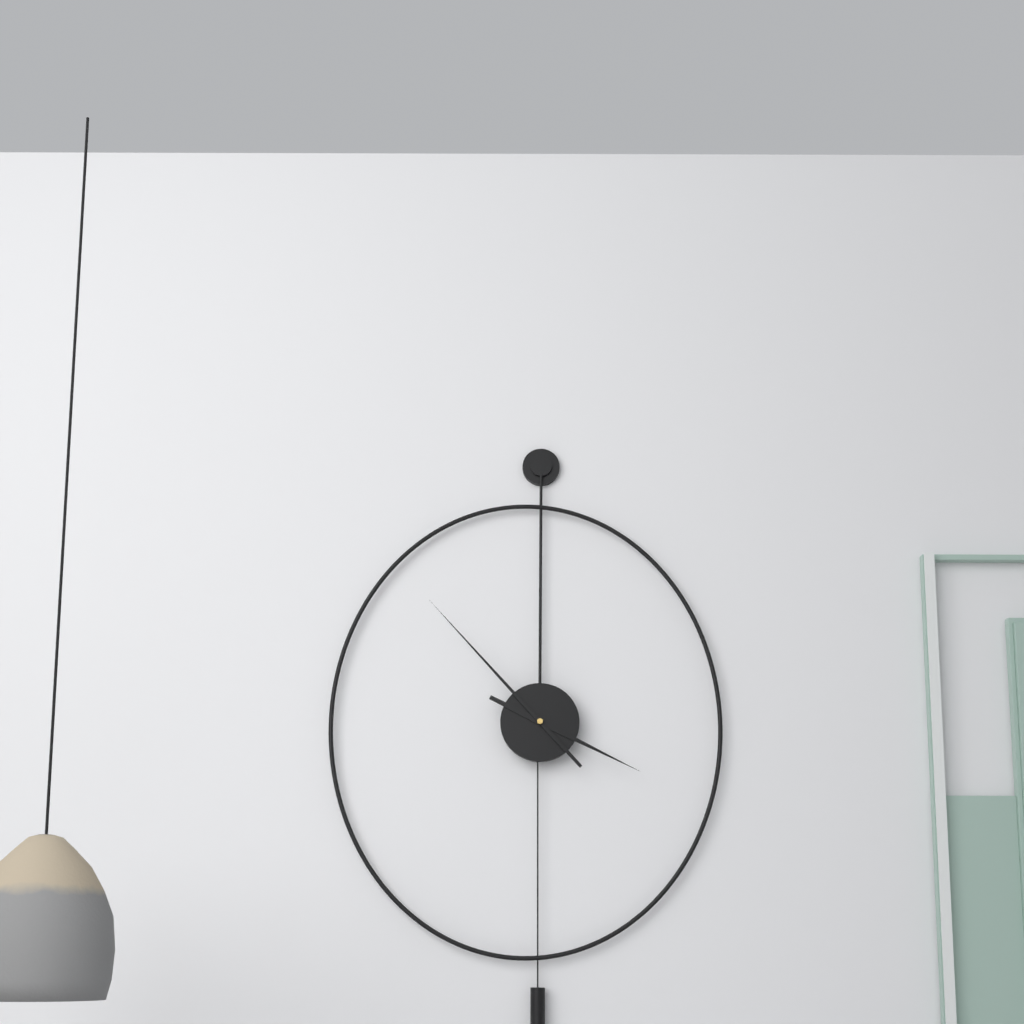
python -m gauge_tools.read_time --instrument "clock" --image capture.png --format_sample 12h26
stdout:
3h53
